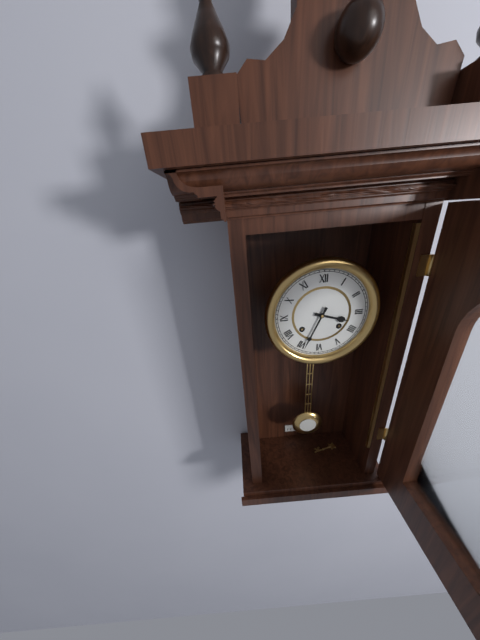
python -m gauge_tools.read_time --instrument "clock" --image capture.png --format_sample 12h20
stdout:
3h34
